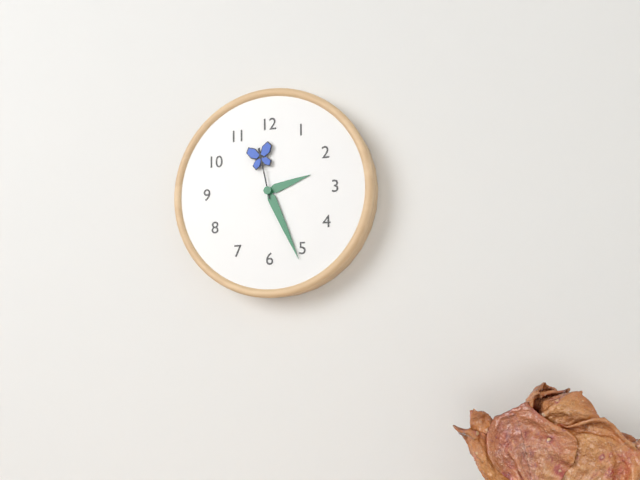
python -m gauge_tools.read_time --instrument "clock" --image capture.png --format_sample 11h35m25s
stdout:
2h26m58s
